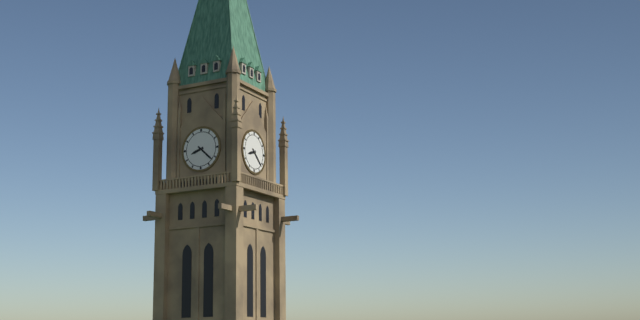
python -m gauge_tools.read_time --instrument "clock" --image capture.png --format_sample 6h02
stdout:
8h22
